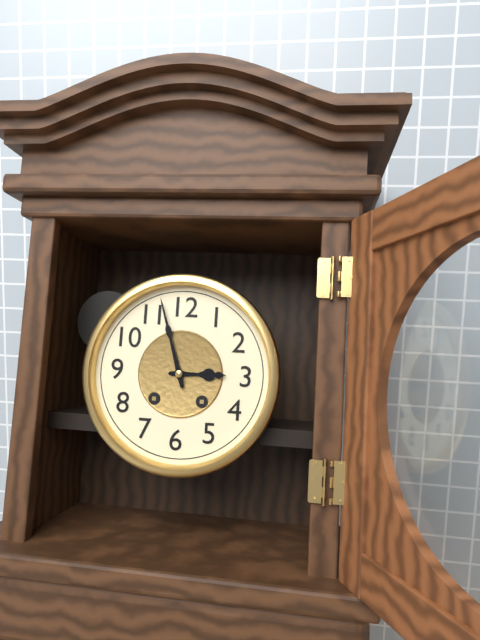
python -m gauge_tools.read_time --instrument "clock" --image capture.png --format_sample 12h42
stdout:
2h57
